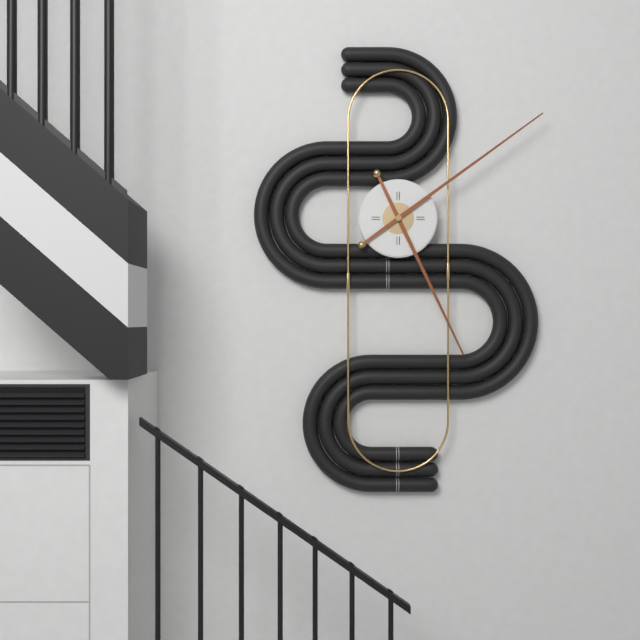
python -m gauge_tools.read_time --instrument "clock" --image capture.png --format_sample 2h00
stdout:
5h09
